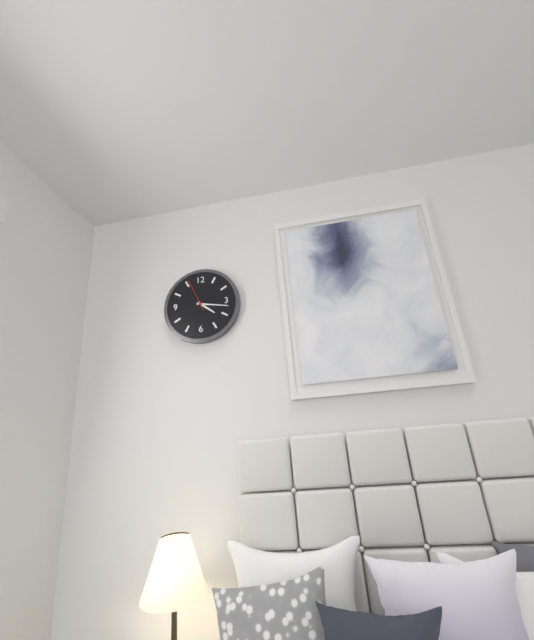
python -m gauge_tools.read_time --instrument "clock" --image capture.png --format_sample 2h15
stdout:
4h17
